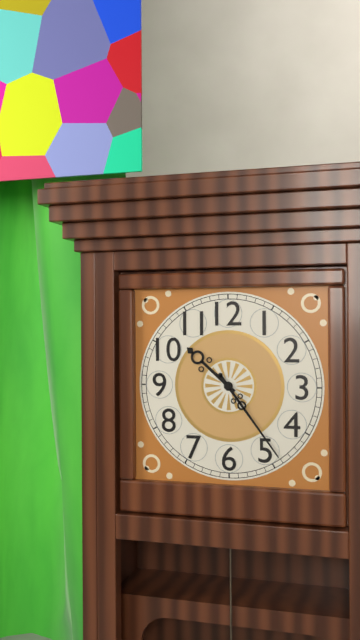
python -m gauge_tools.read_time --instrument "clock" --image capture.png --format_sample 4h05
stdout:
10h24
